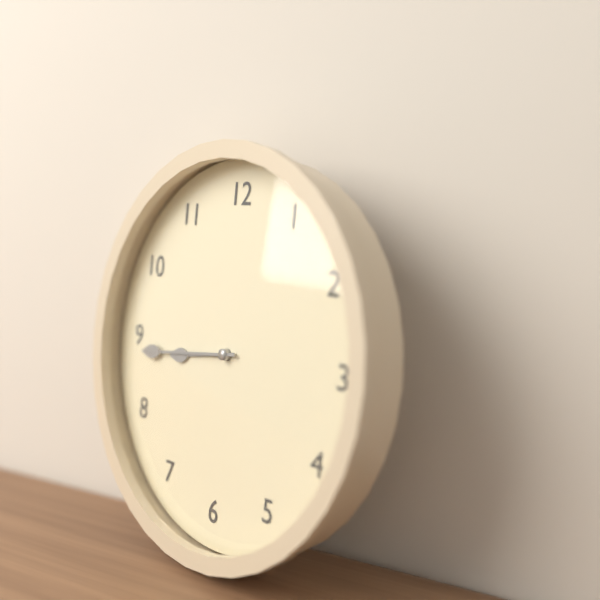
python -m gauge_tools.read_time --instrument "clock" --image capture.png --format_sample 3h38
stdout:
8h44
